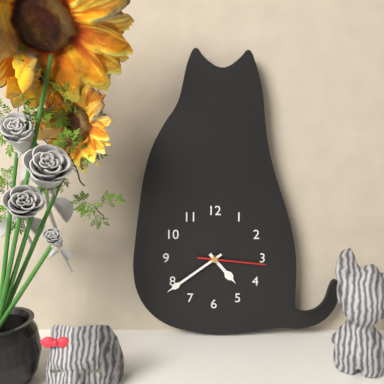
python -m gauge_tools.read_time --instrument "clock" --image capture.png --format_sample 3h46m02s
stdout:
4h39m16s
